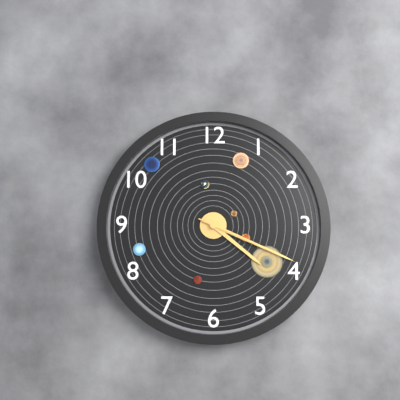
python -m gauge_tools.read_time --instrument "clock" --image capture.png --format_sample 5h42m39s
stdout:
4h19m19s
